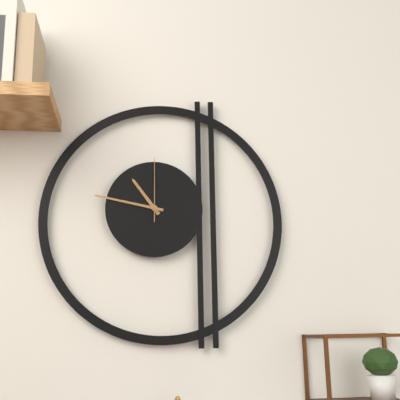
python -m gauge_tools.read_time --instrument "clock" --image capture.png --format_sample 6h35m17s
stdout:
10h47m00s
